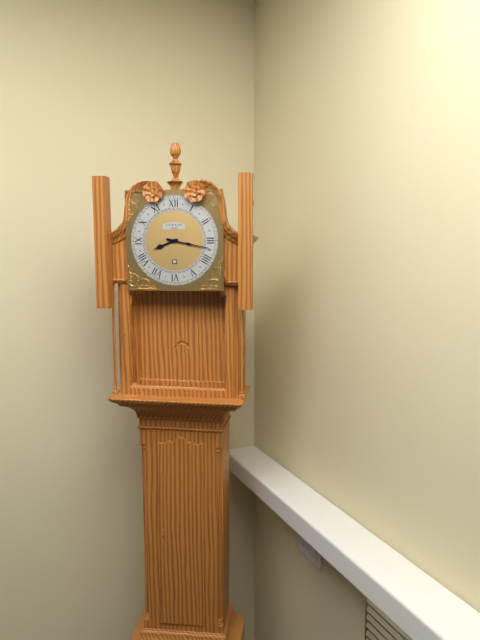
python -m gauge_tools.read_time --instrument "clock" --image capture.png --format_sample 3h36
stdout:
8h17
